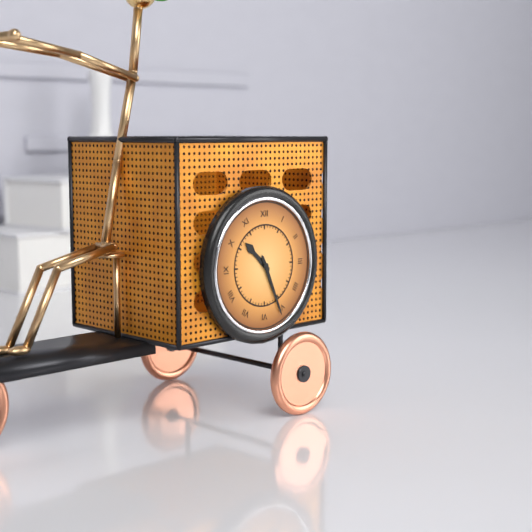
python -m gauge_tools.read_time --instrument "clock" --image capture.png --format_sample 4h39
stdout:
10h26
